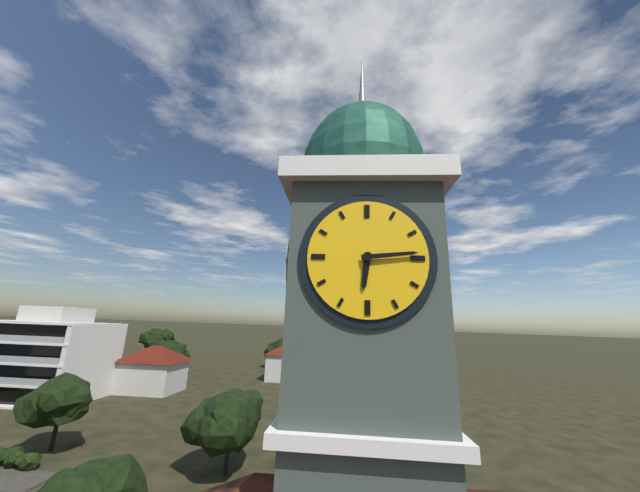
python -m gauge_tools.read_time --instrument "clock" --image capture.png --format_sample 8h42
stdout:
6h14
